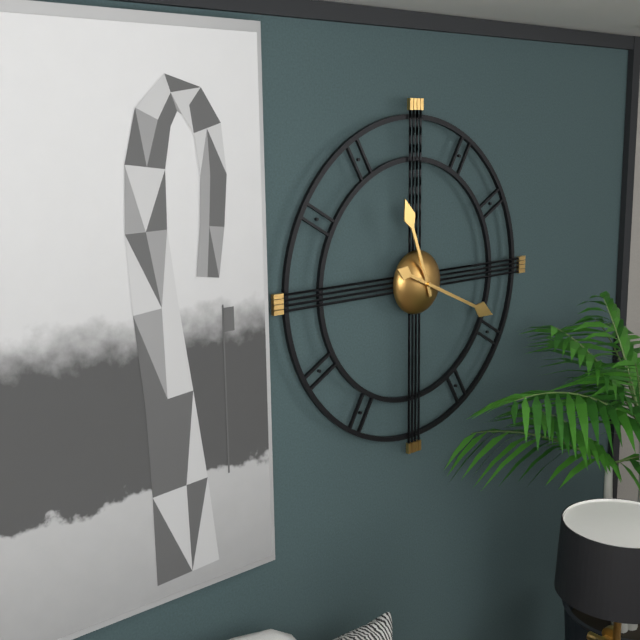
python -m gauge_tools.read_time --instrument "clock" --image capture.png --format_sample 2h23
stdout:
11h19
